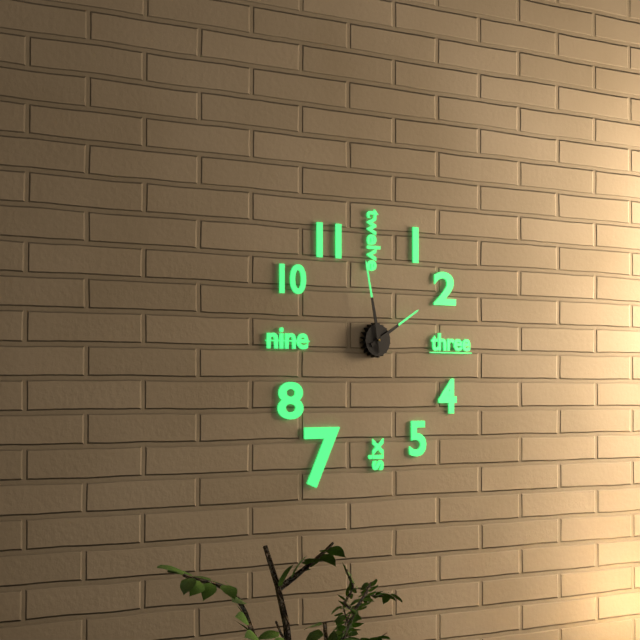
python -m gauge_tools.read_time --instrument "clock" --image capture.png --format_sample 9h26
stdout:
1h58
